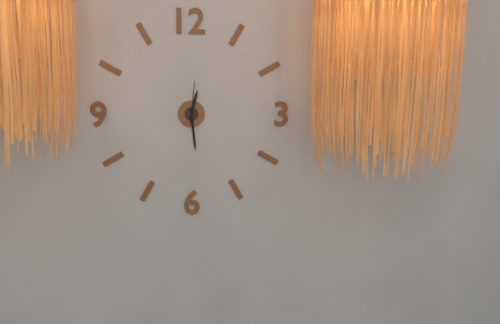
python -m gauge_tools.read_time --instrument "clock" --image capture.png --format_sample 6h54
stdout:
12h29
